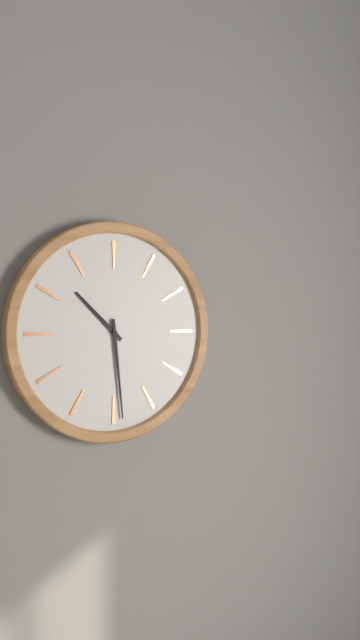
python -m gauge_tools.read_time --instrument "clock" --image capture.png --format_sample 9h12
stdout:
10h29
